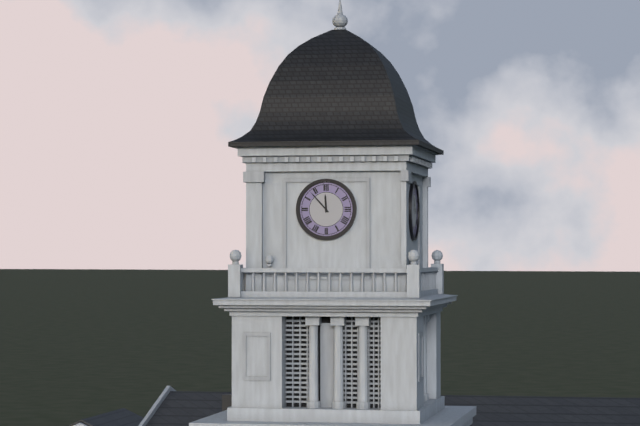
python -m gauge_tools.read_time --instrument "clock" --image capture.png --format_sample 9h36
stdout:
11h53
